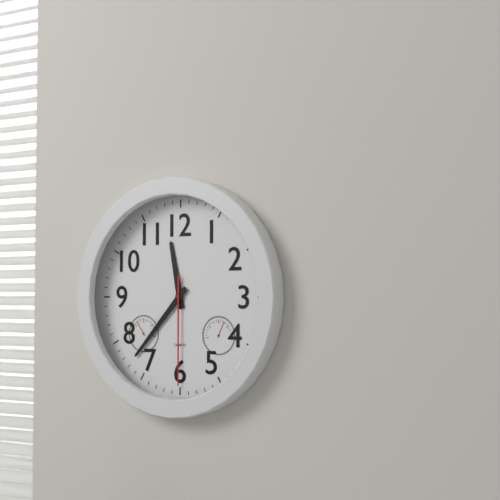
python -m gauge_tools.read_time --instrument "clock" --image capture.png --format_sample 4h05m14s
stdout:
11h37m30s
